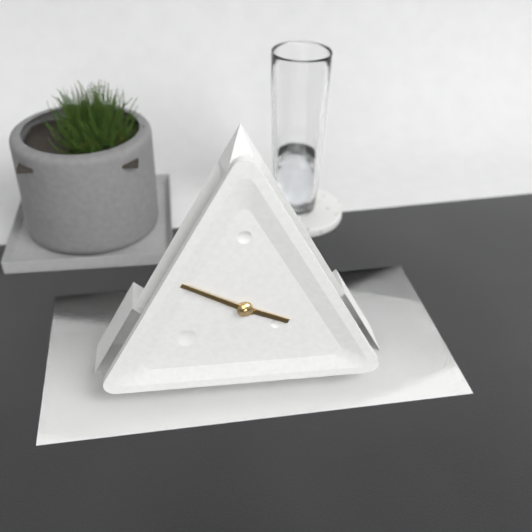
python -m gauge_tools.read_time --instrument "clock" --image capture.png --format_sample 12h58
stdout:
3h50
